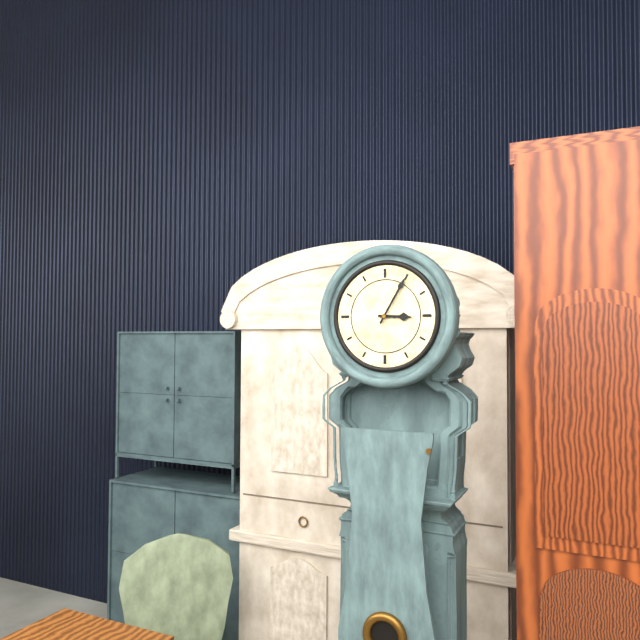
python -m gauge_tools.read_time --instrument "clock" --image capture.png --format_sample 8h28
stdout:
3h05
